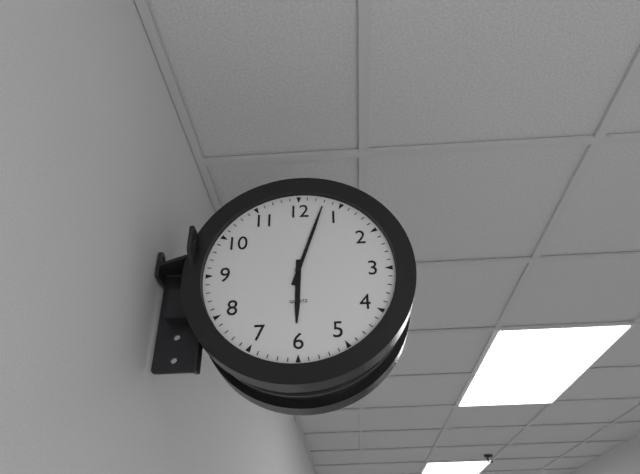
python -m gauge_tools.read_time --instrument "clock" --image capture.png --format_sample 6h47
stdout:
6h03
